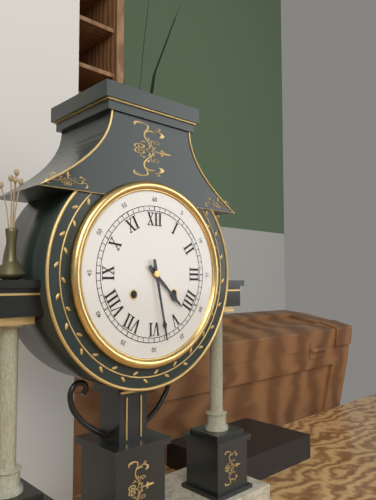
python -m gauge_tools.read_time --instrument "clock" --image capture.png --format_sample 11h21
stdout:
4h28
